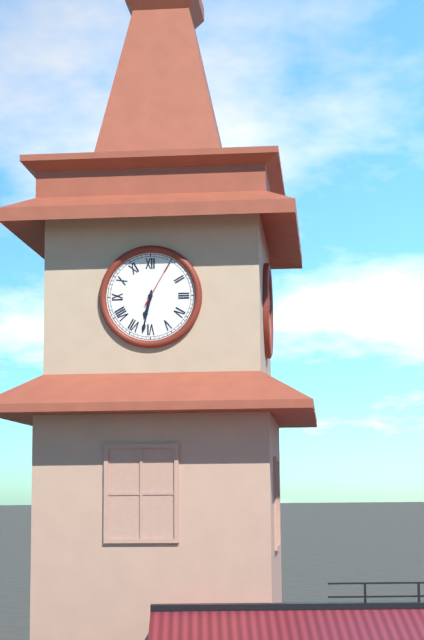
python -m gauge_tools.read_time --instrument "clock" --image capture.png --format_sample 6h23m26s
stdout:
6h32m05s
